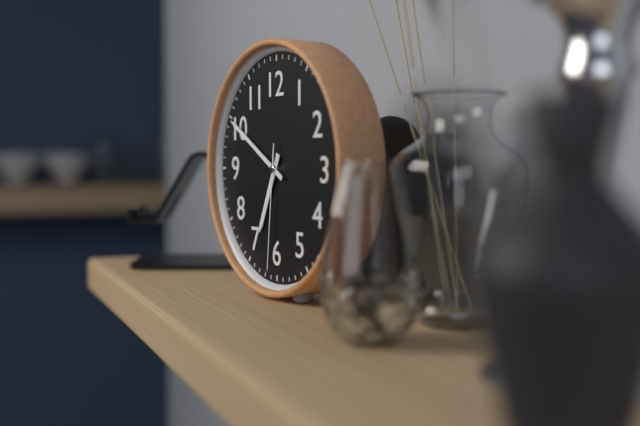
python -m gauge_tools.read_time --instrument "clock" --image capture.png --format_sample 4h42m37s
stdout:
6h50m31s
